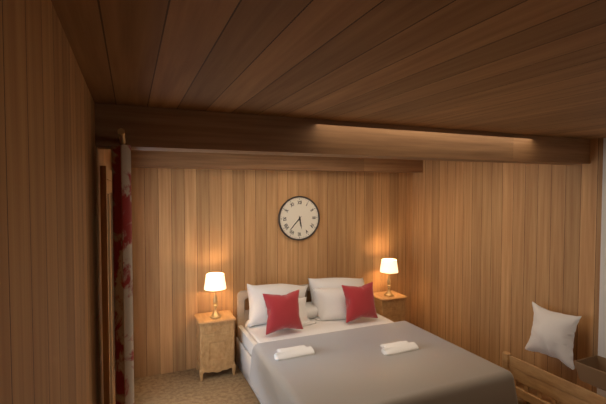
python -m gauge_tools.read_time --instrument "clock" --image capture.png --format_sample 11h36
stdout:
5h37
